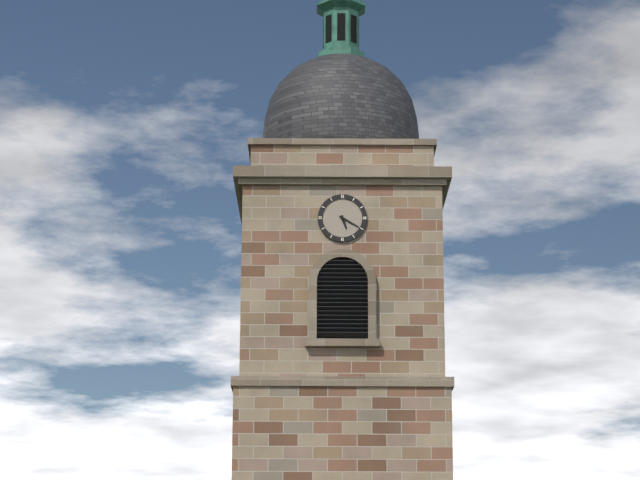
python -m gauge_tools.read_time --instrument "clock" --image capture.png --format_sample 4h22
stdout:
5h20
